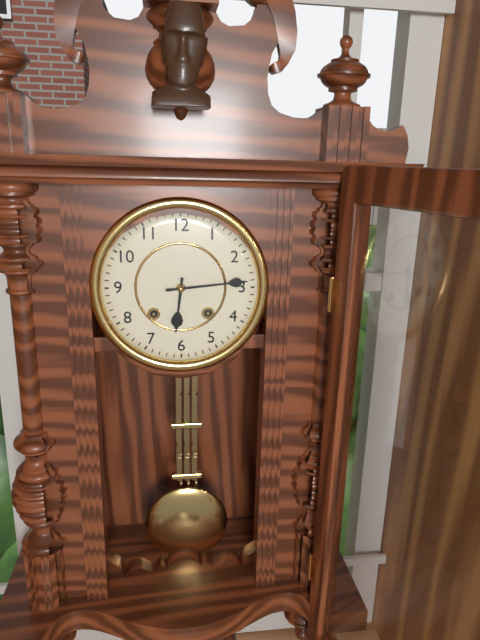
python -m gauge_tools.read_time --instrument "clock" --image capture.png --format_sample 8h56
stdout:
6h14
